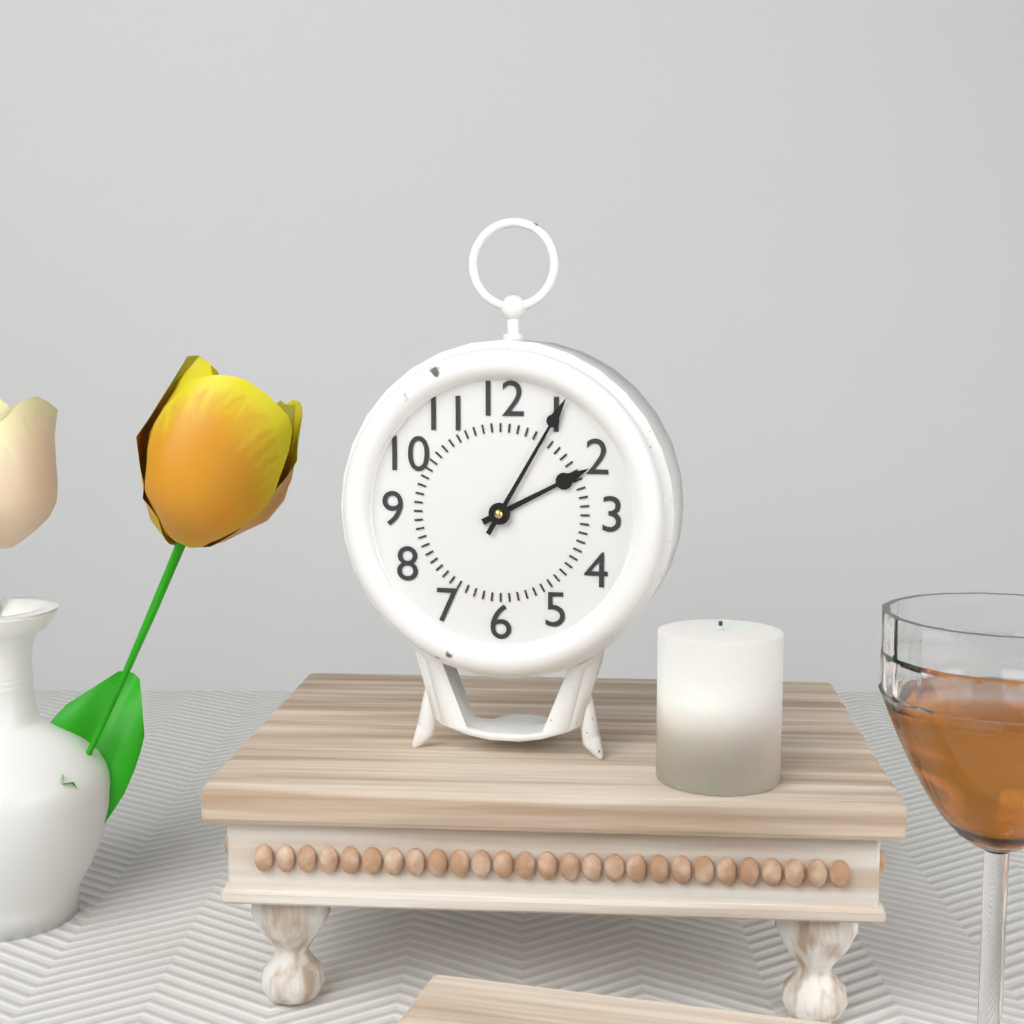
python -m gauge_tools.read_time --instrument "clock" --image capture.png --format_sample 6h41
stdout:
2h05
